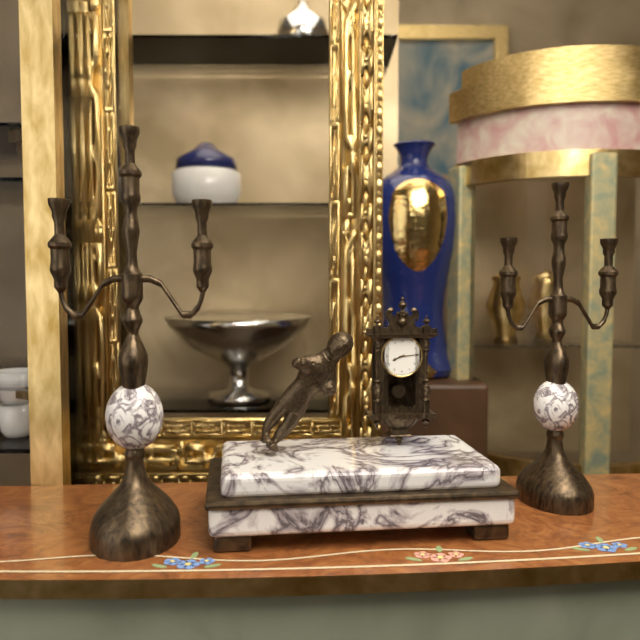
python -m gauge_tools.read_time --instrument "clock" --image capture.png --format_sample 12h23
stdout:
8h14
